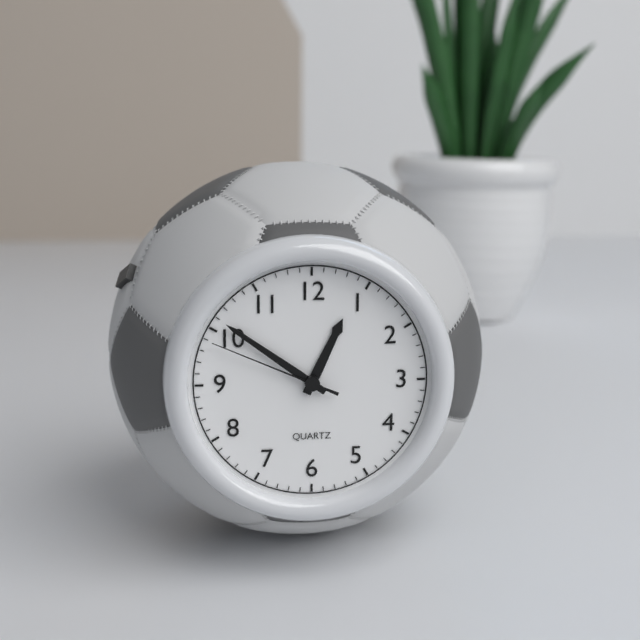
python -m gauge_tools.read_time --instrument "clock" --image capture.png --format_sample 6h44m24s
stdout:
12h51m49s
